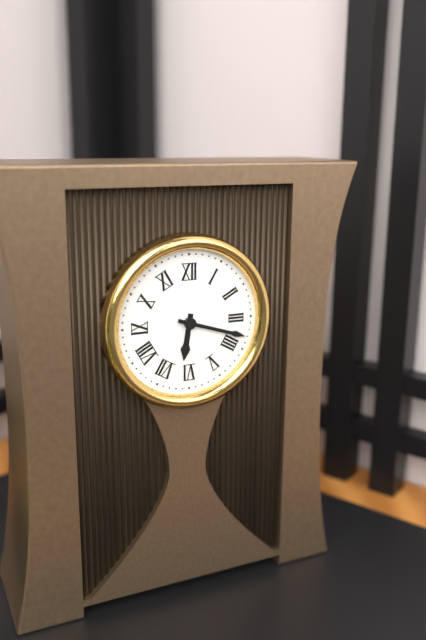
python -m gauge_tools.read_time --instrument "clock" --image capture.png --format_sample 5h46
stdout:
6h18
